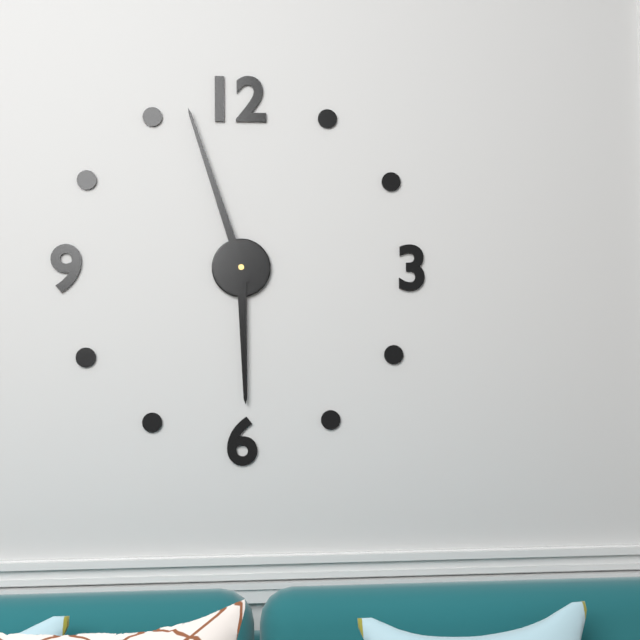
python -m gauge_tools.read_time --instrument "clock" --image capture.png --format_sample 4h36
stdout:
5h57
